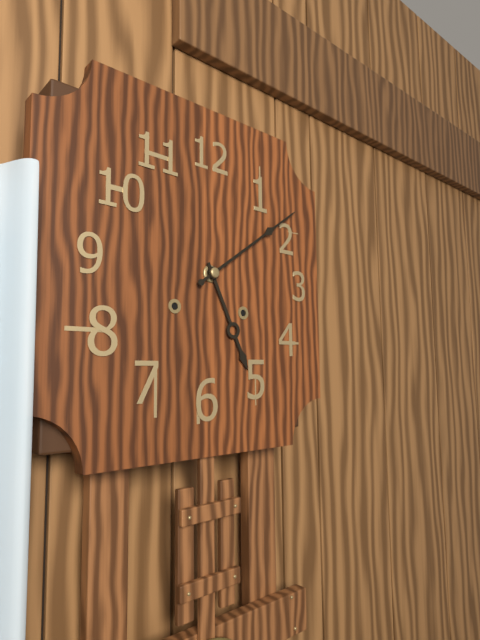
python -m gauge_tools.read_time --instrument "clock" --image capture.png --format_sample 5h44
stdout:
5h09
